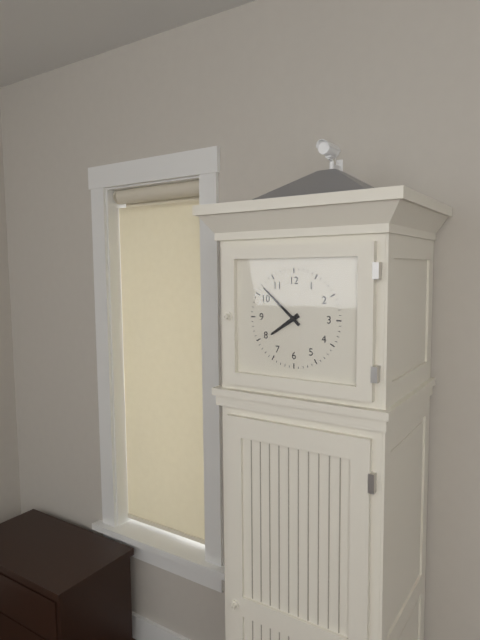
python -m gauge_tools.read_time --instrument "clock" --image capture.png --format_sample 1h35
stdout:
7h52
